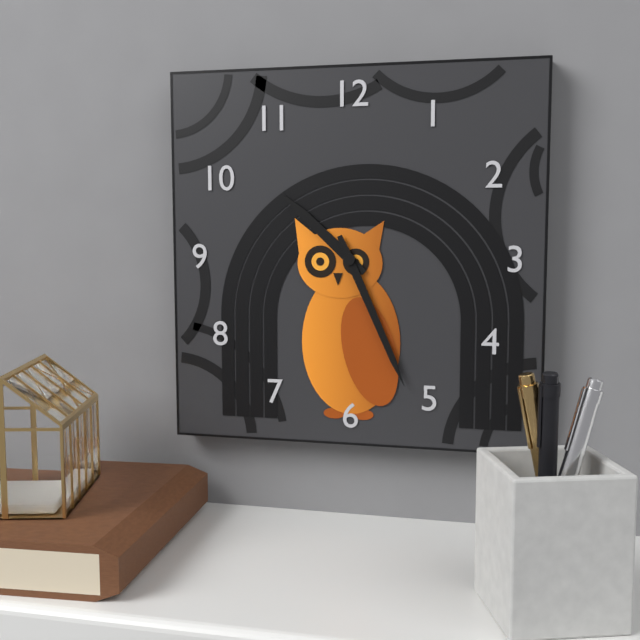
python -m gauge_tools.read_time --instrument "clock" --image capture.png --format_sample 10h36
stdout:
10h26
